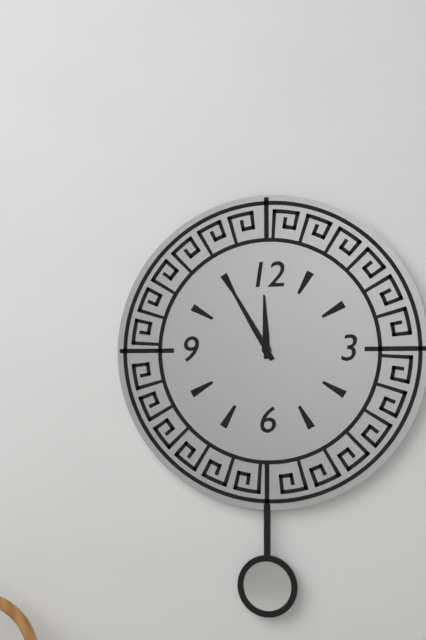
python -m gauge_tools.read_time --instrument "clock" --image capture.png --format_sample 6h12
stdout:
11h55
